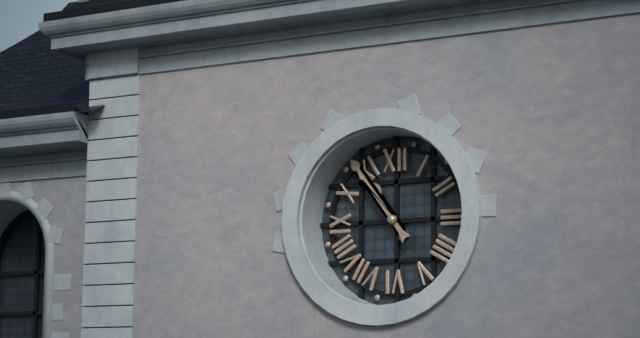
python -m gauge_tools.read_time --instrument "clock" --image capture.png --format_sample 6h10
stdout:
10h54
